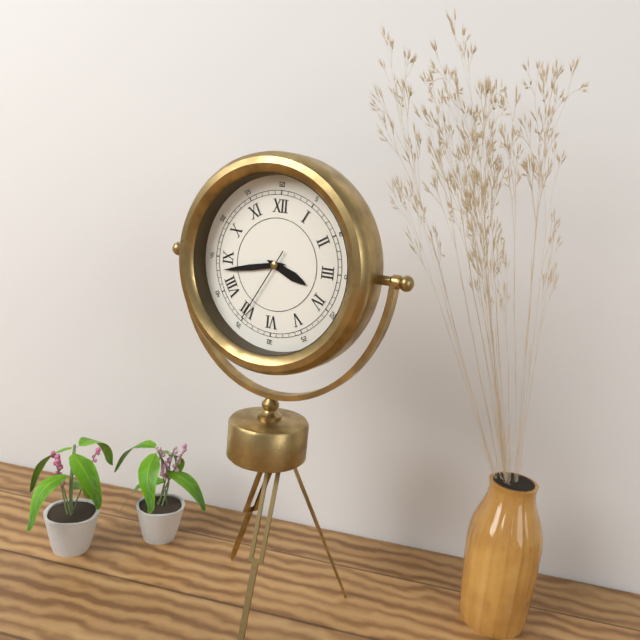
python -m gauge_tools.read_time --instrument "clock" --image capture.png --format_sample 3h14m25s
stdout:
3h43m35s
